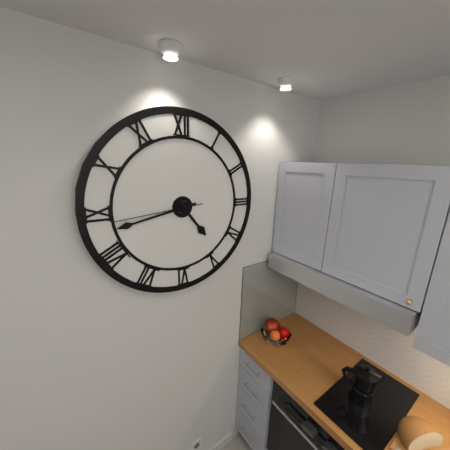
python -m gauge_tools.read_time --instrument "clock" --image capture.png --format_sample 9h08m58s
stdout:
4h43m44s
